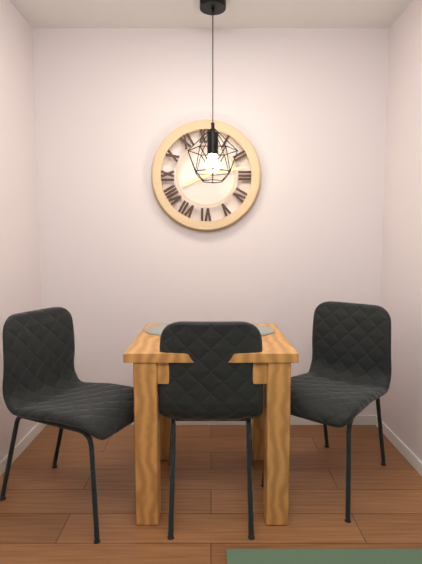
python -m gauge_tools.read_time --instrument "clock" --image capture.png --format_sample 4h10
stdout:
8h13
